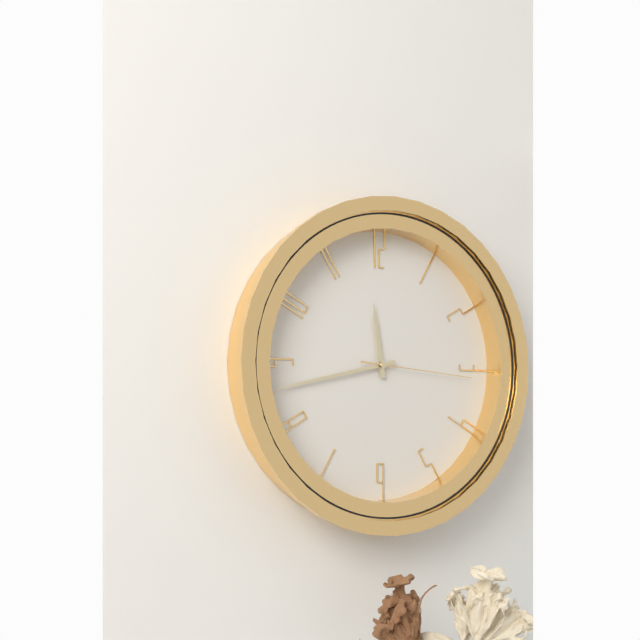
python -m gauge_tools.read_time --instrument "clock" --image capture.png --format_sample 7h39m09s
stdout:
11h43m16s
